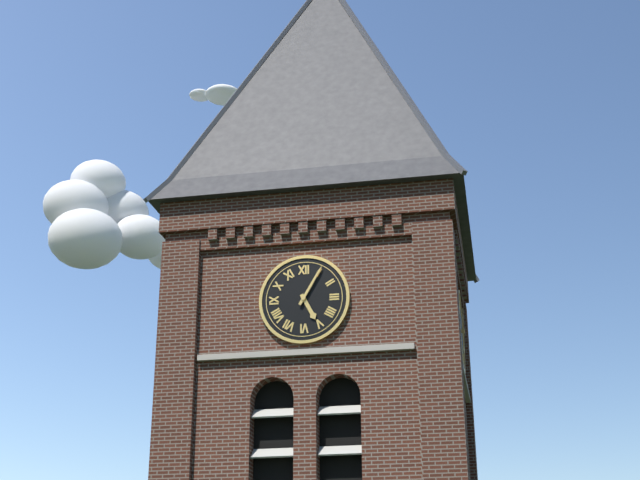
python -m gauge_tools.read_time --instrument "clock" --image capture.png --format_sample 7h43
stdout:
5h05
